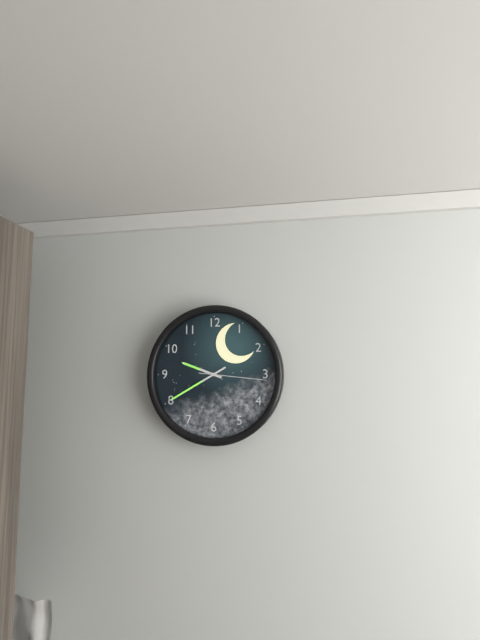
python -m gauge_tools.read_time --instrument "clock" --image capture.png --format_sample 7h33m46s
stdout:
9h40m16s
